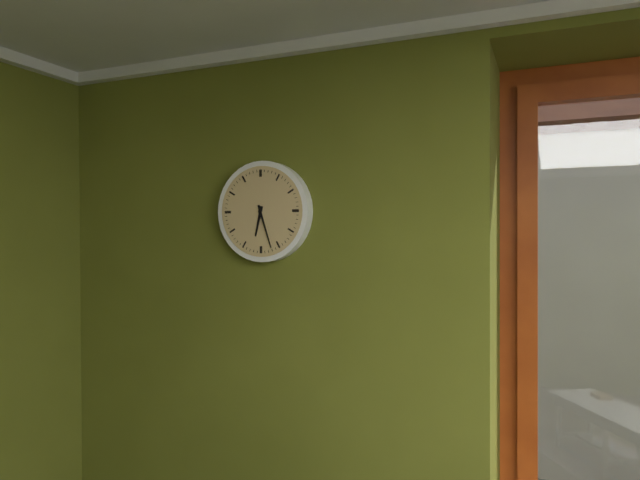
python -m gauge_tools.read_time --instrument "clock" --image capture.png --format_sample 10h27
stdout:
6h27
